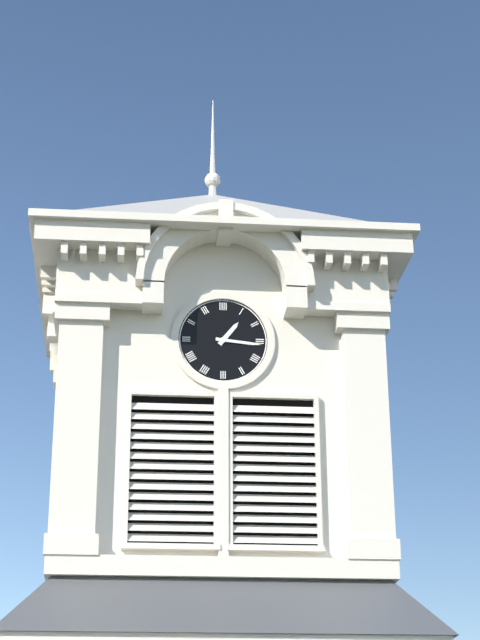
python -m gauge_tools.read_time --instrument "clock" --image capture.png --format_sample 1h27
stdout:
1h16
